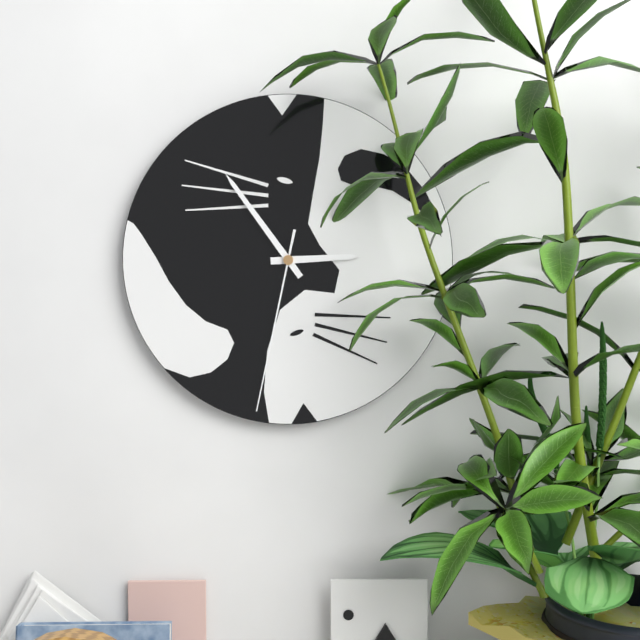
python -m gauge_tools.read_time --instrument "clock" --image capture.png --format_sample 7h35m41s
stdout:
2h54m32s
